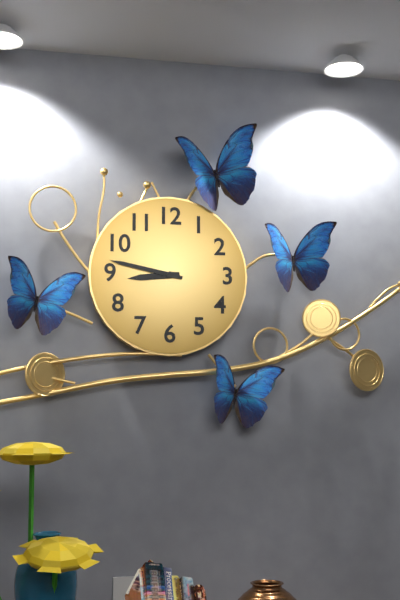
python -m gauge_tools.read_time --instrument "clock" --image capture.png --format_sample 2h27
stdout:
8h47
